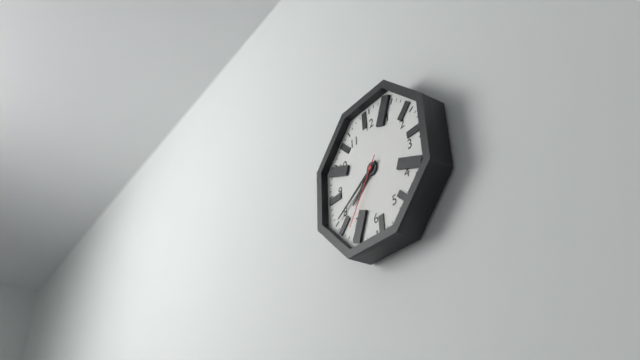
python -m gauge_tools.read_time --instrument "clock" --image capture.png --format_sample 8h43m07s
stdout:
7h40m36s
